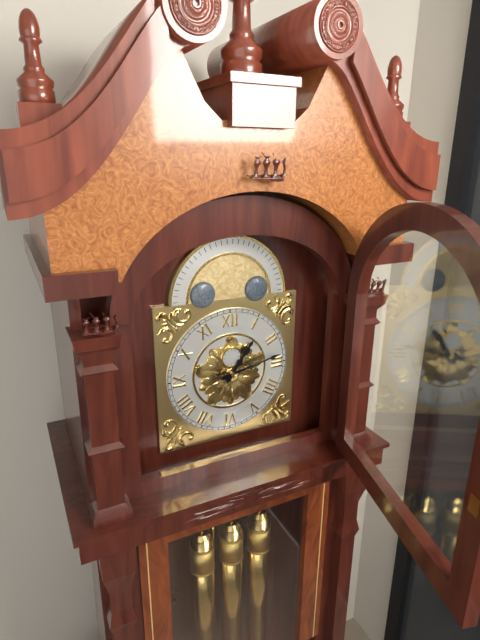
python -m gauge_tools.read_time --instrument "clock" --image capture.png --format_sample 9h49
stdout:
1h13
